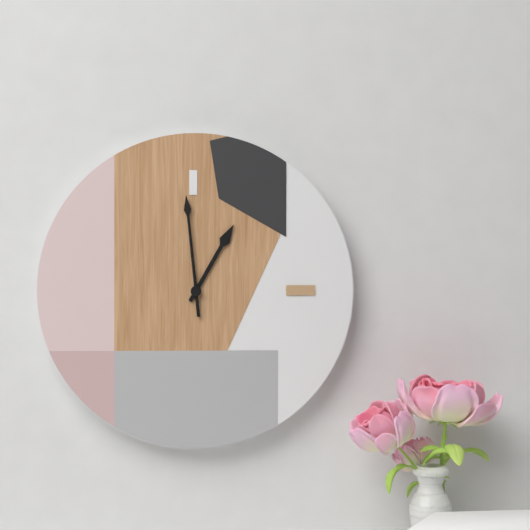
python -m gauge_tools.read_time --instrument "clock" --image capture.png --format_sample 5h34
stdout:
12h59
